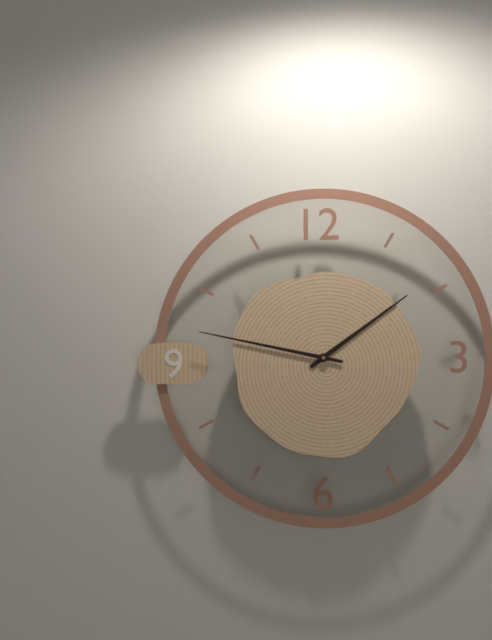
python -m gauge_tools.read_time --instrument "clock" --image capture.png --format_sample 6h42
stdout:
1h47
